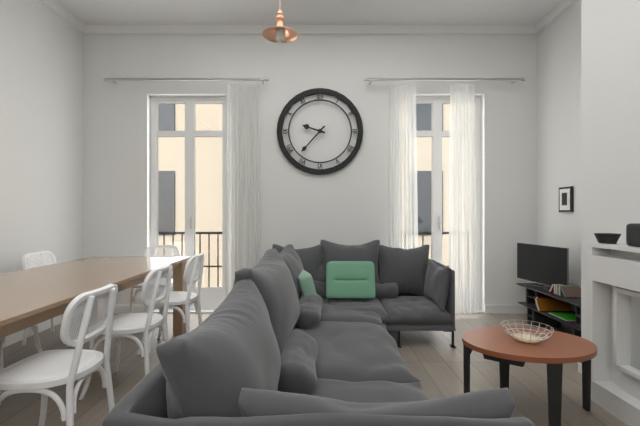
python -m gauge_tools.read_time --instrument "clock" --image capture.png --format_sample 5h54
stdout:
9h37
